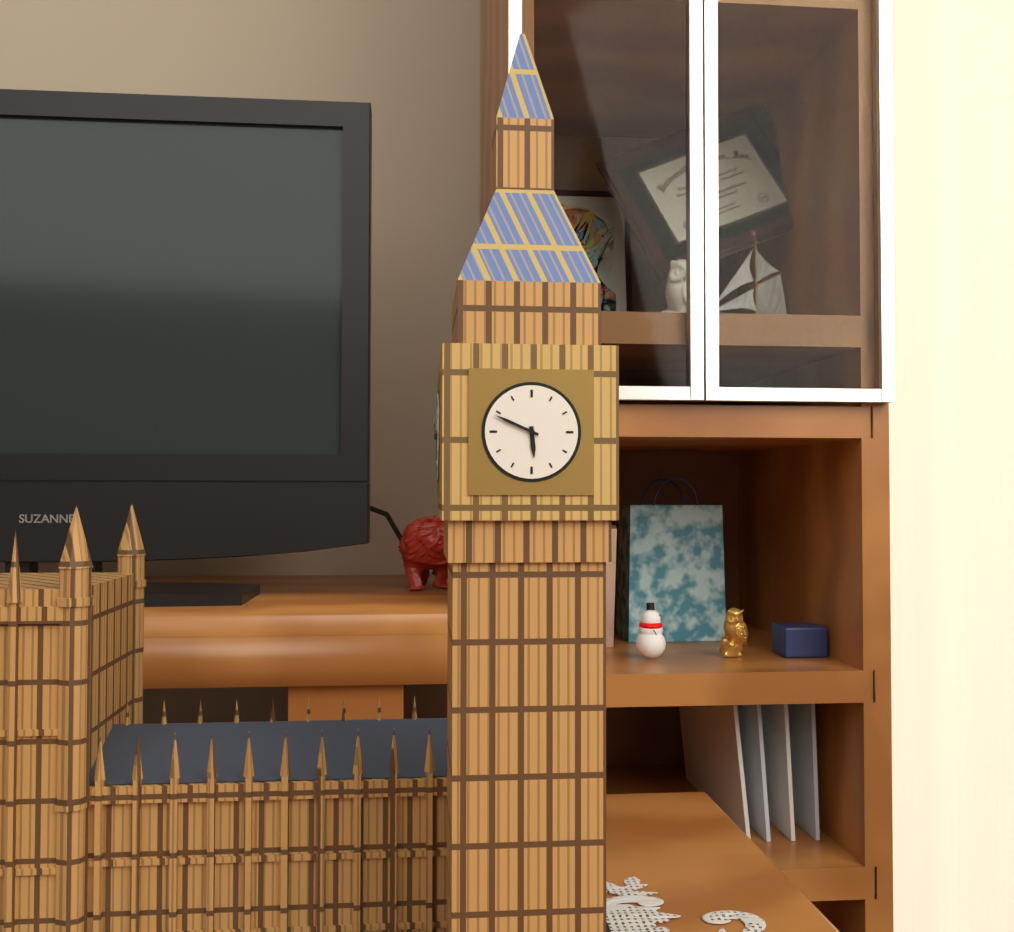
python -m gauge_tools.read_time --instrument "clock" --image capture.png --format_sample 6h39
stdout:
5h49
